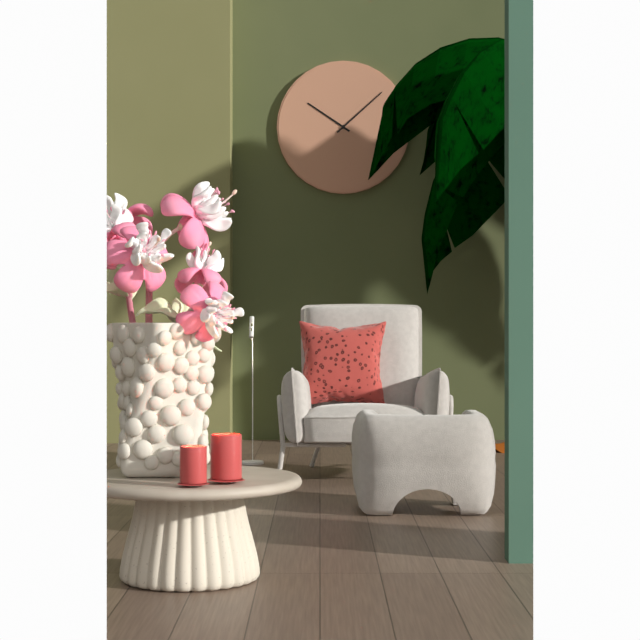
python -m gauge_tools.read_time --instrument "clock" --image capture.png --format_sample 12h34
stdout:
10h08
